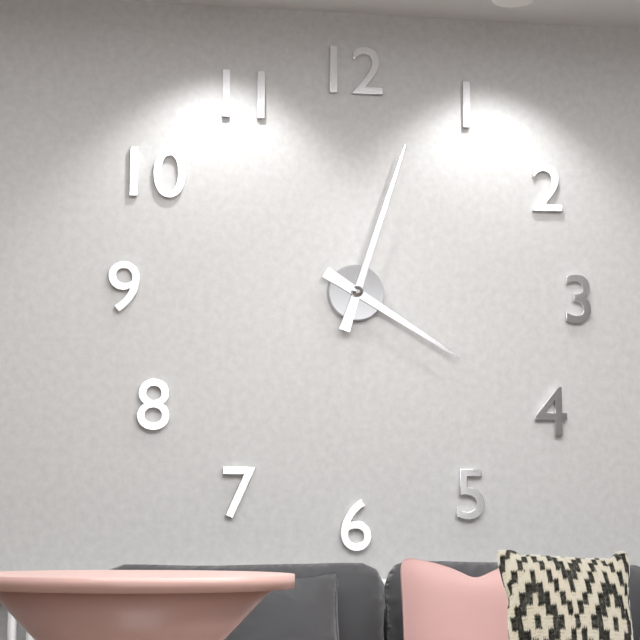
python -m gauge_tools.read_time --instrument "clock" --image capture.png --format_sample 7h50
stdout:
4h03
